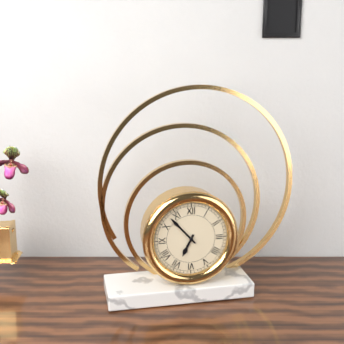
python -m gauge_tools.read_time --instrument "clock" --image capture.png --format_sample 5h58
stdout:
6h53
